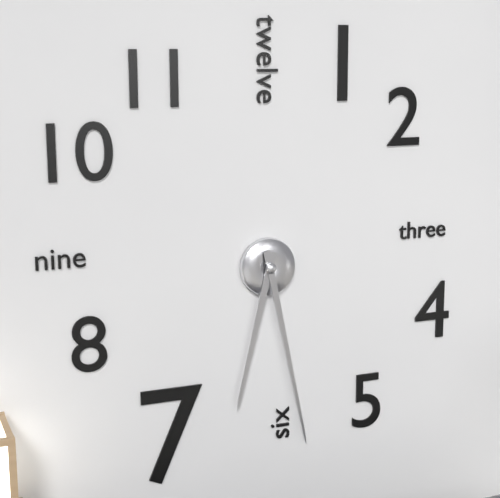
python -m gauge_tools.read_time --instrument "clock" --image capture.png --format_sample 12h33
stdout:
6h28
